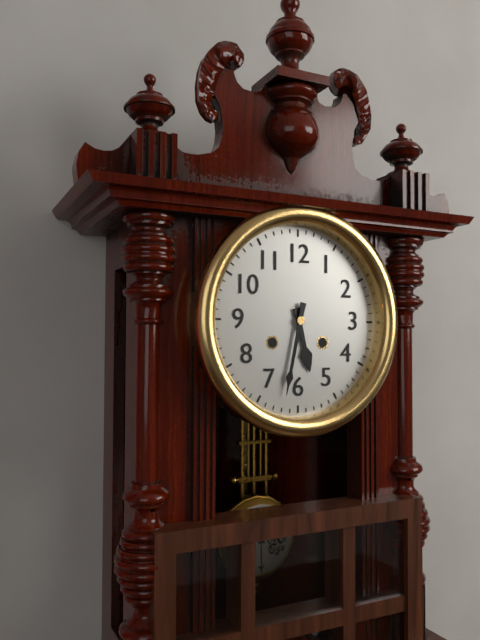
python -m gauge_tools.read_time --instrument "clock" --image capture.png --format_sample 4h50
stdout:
5h32
